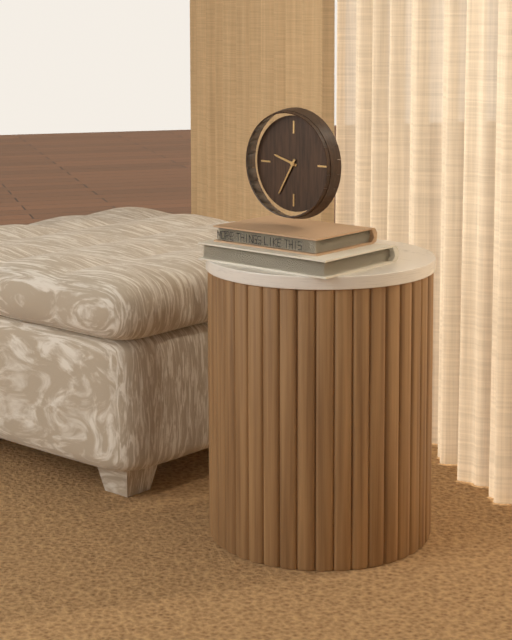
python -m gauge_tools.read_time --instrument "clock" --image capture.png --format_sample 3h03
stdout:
9h35
